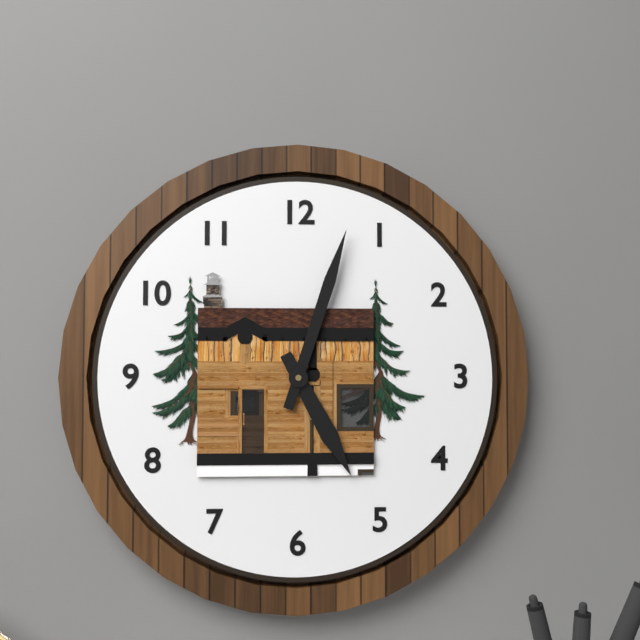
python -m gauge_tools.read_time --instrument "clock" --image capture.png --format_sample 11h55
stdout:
5h03
